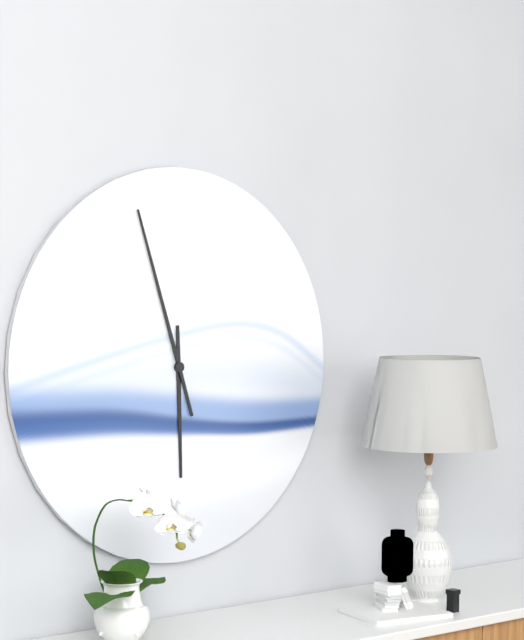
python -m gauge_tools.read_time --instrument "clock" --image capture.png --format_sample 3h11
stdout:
5h57
